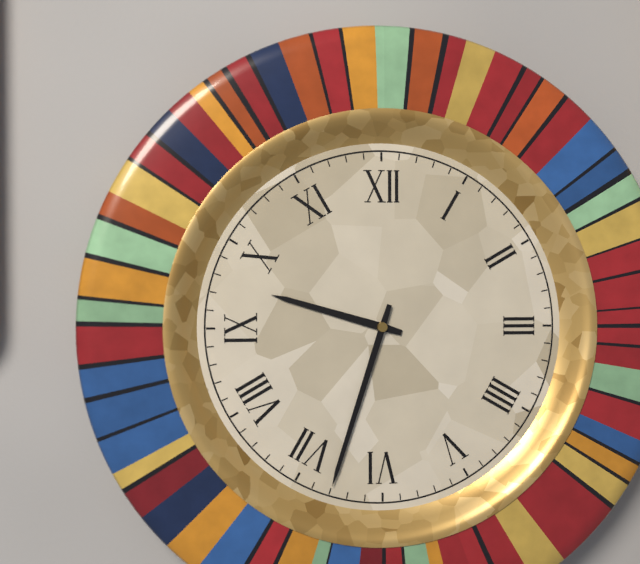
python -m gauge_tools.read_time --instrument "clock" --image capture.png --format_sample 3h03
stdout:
9h33
